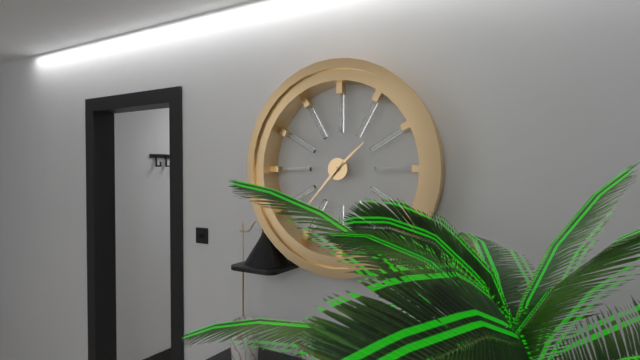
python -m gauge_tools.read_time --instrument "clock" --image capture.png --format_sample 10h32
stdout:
1h37
